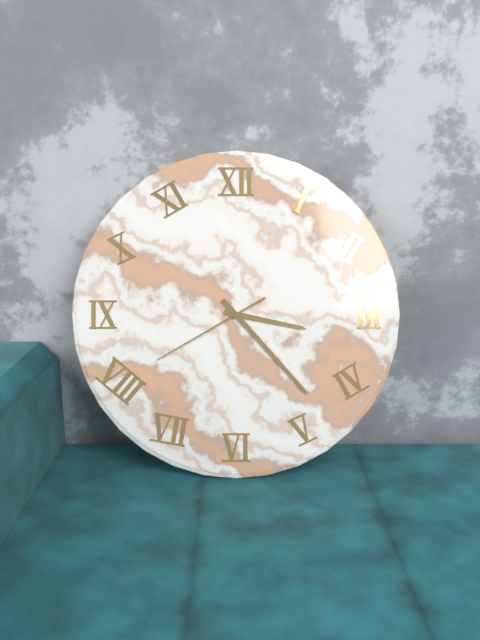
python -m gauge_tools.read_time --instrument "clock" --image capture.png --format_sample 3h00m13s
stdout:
3h23m40s
